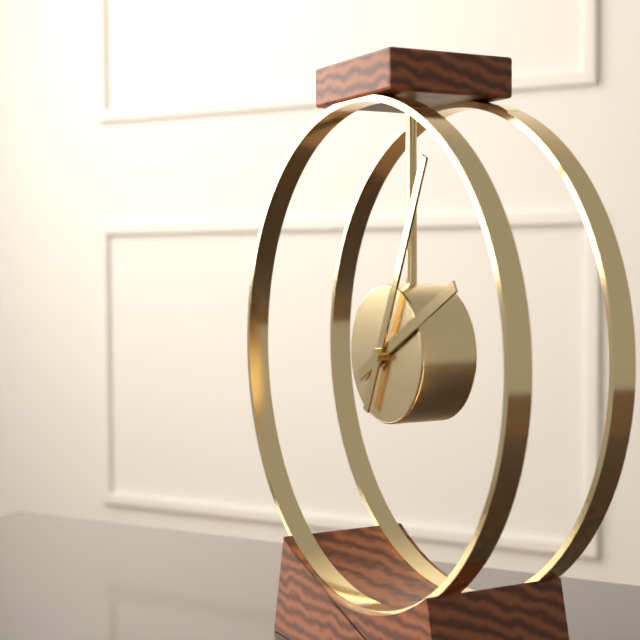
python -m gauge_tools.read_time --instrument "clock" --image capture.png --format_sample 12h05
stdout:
2h04
